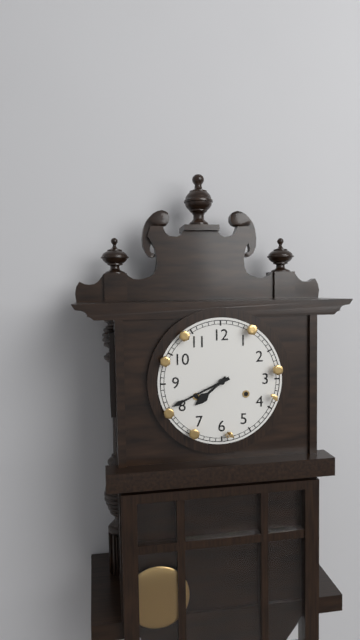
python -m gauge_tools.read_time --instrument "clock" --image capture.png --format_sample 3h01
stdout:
7h41
